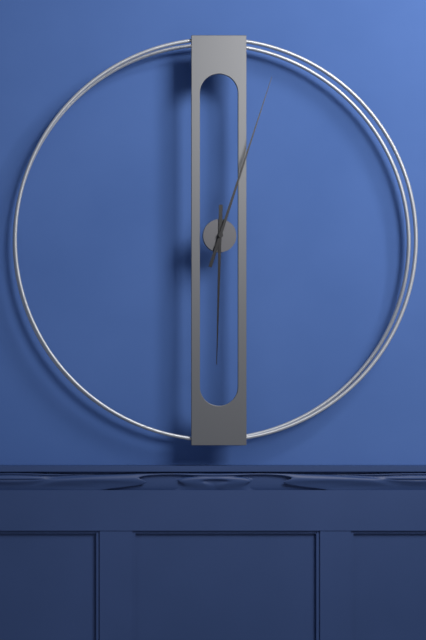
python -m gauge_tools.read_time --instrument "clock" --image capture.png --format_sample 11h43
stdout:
6h03
